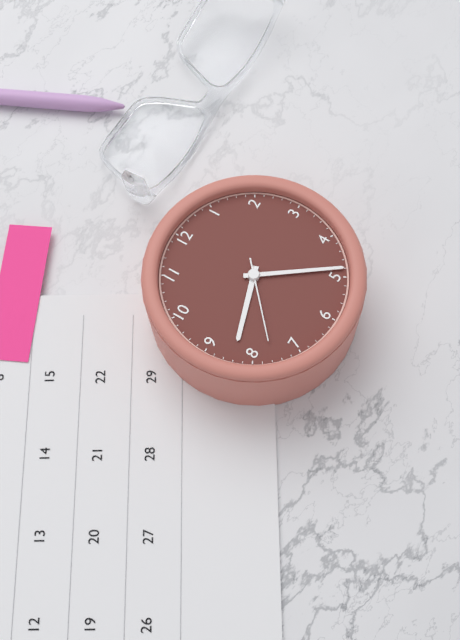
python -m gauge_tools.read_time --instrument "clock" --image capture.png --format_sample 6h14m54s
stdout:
8h24m38s
